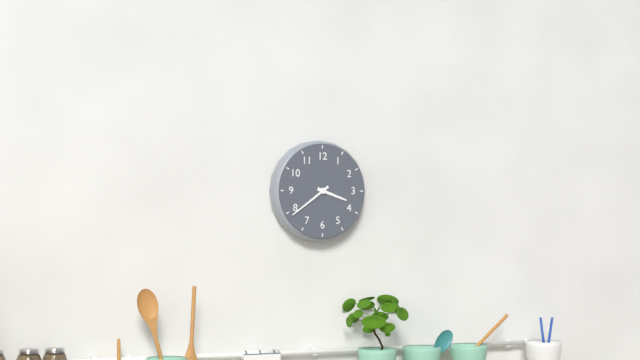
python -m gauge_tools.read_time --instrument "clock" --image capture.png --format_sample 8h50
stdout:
3h39
